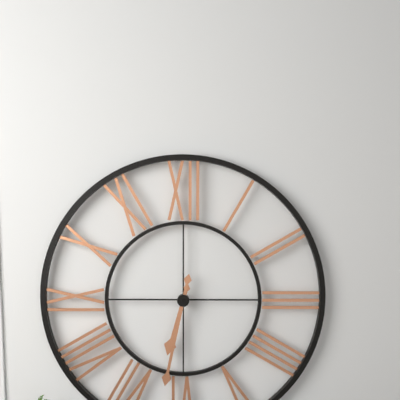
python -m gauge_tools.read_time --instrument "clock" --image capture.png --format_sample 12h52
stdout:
6h32
